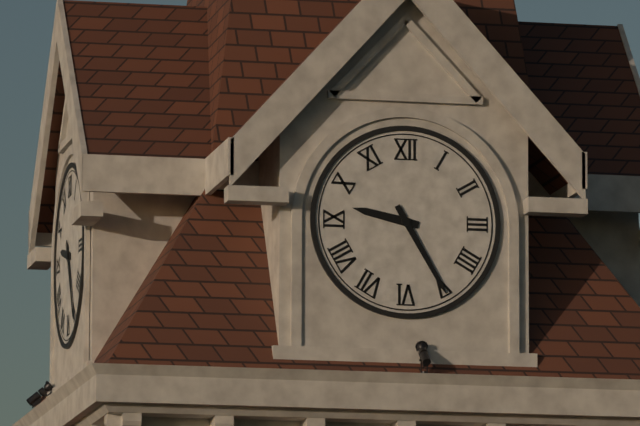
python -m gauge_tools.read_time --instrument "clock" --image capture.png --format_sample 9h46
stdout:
9h25
